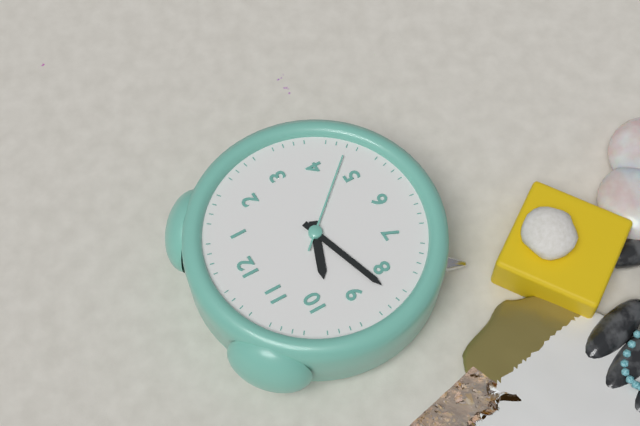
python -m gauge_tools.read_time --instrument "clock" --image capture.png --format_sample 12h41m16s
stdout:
9h42m23s
